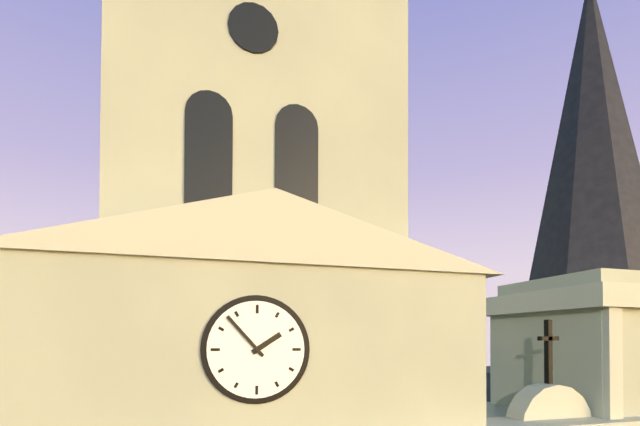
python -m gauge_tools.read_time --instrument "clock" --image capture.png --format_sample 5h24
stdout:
1h53
